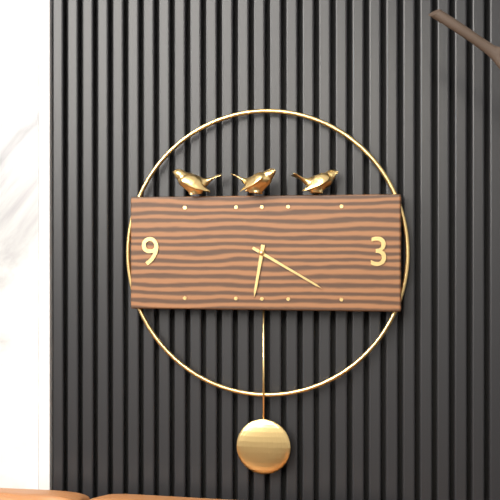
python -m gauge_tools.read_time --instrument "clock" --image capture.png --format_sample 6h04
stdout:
6h20
